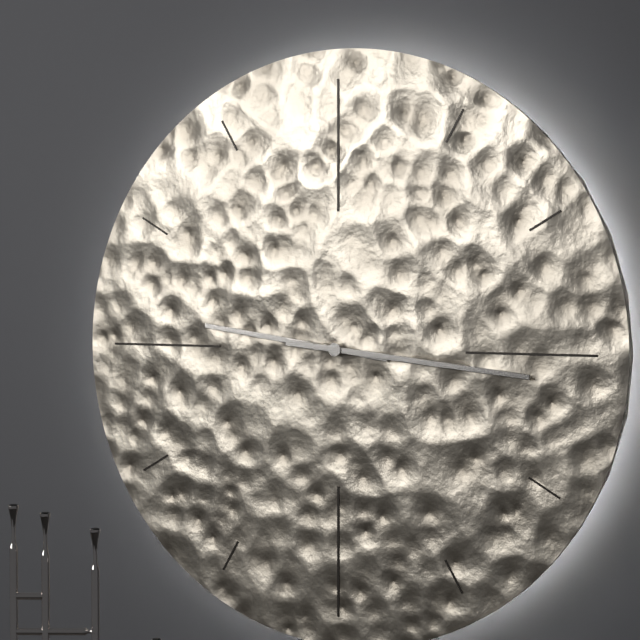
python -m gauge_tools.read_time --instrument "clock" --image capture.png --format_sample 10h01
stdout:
9h16
